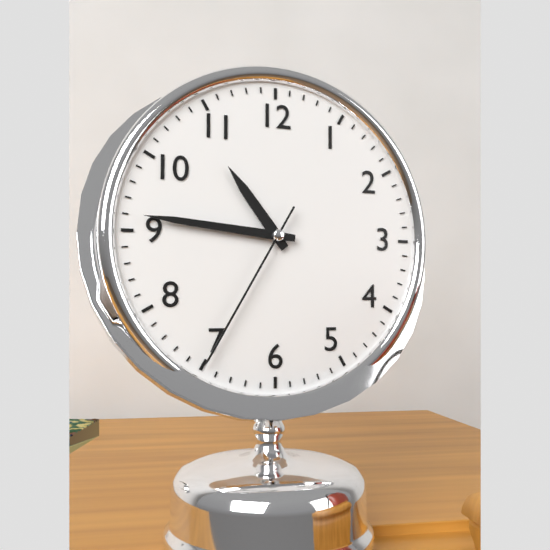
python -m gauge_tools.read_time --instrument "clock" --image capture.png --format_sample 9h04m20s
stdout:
10h46m35s
